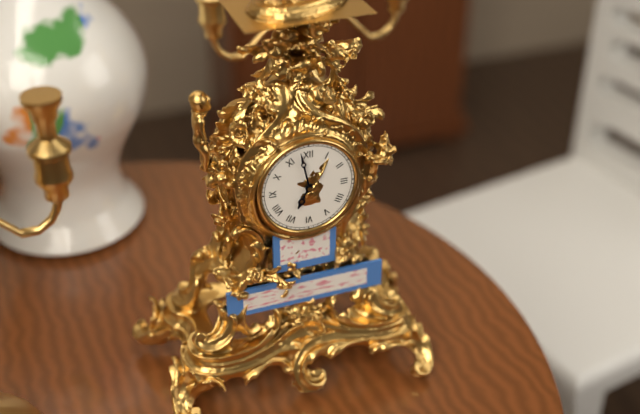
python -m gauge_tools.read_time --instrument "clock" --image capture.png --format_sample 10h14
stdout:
6h58
